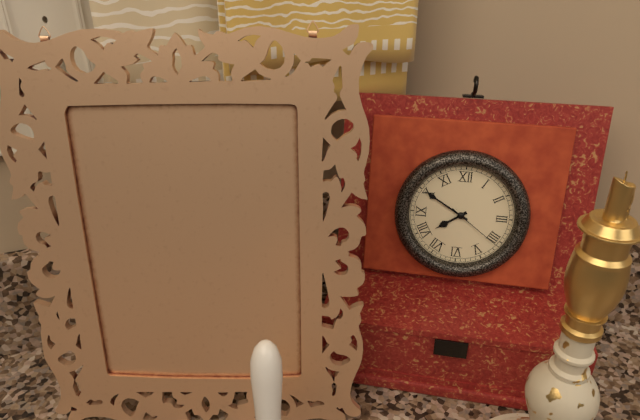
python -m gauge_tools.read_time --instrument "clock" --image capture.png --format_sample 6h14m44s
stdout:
7h50m21s
